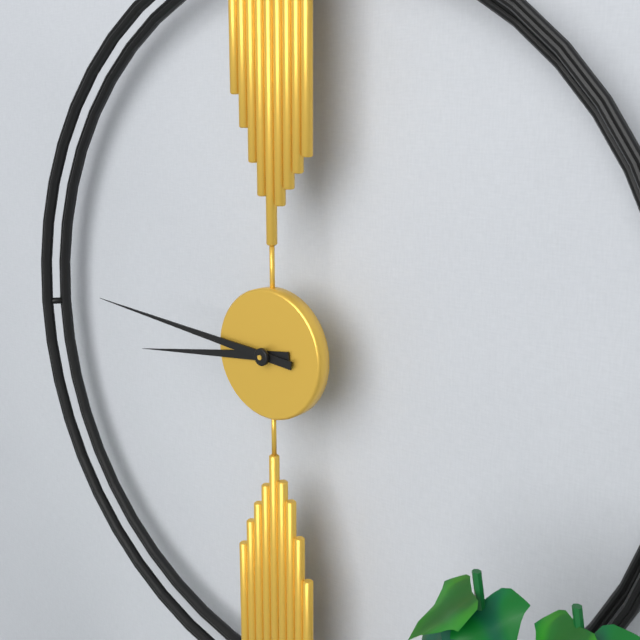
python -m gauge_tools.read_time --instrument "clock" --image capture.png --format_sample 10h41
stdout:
8h46
